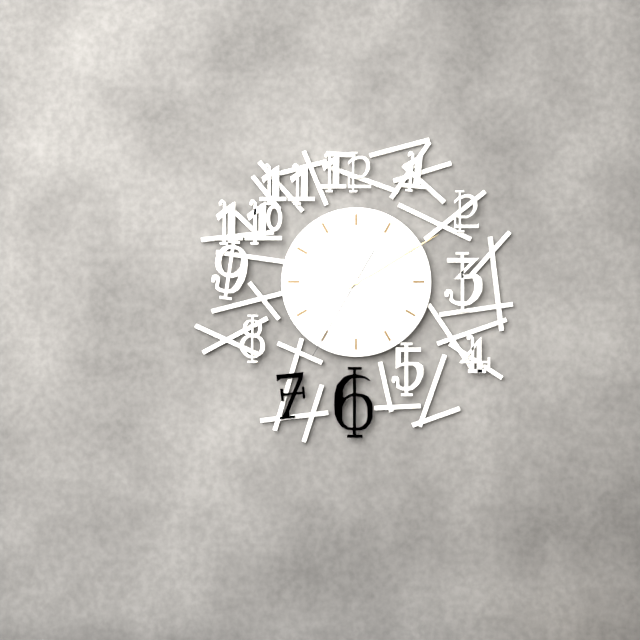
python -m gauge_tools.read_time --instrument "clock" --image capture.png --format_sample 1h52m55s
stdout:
10h10m35s
